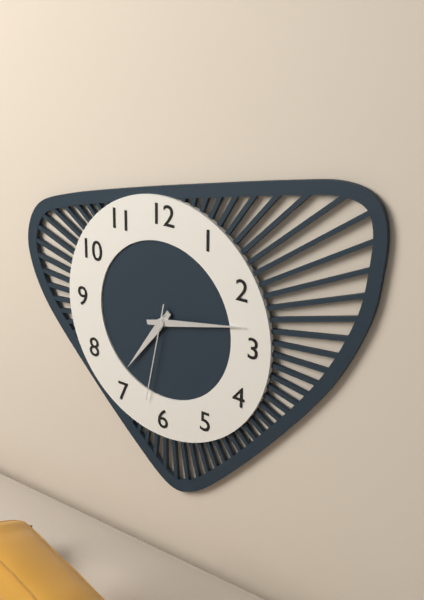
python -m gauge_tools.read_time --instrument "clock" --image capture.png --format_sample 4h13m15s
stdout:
7h13m32s
